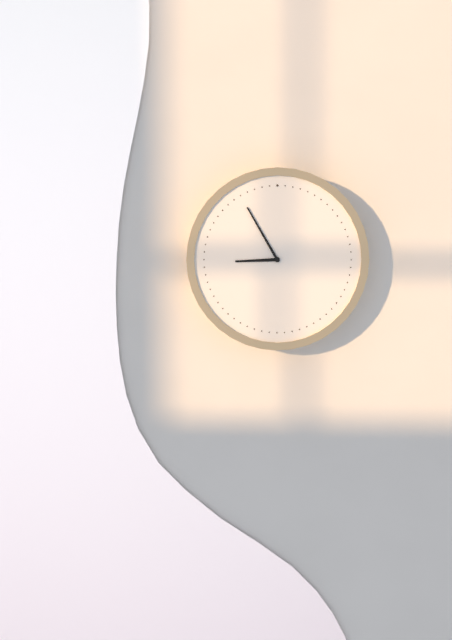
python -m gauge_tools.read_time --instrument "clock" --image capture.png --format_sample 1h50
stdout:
8h55
